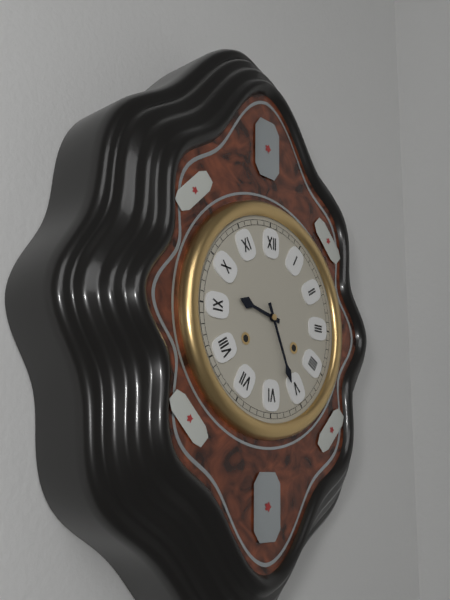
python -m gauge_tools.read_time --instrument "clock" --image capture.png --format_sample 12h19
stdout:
9h26
